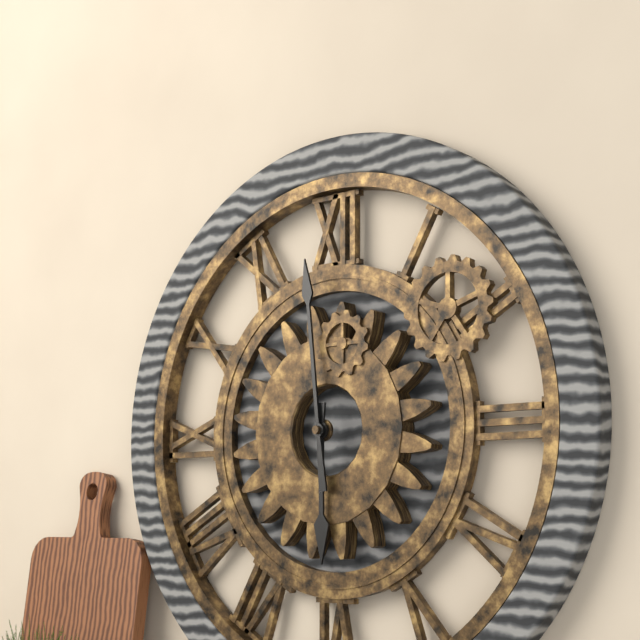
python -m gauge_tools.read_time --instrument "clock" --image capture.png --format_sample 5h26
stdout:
5h59
